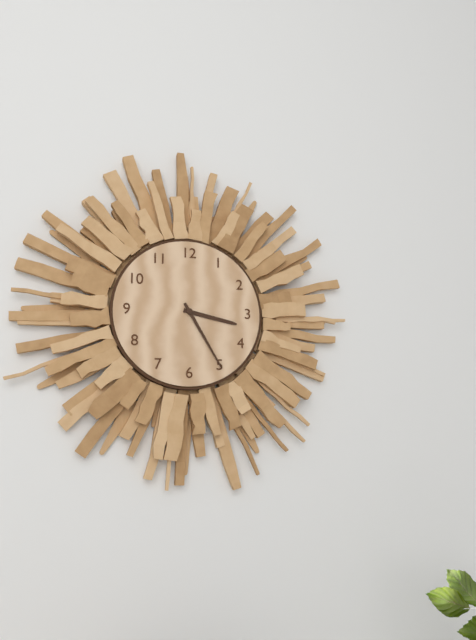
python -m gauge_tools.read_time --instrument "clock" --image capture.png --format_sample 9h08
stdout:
3h25
